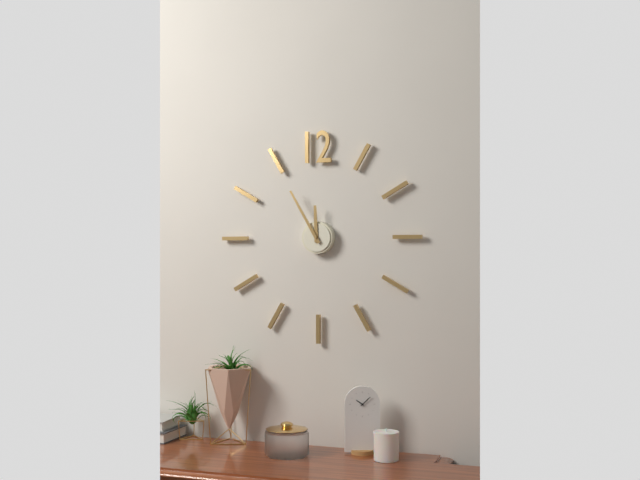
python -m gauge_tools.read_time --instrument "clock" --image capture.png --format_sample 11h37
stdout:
11h55
